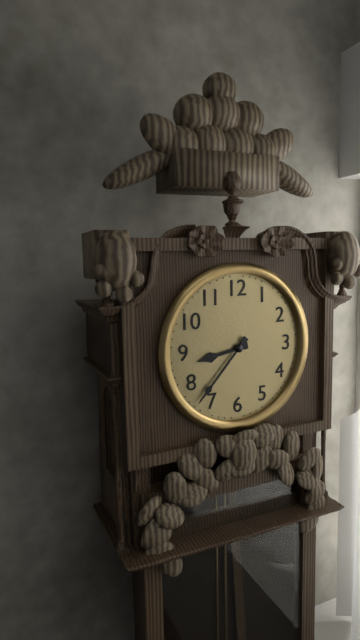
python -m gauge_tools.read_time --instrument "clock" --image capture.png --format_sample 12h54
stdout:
8h37
